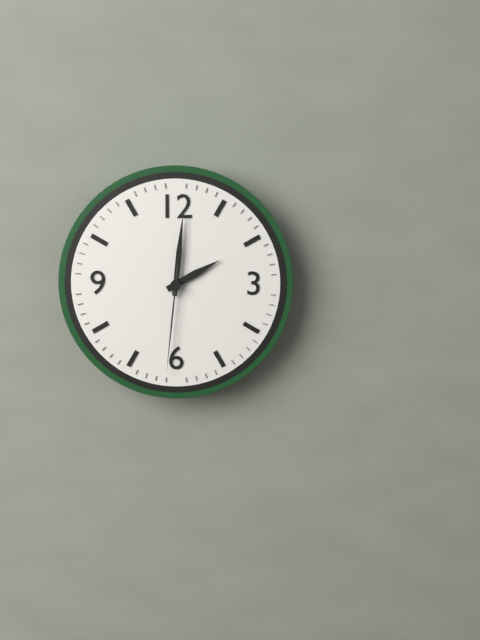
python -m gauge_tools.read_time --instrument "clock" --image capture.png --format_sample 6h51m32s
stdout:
2h01m31s
